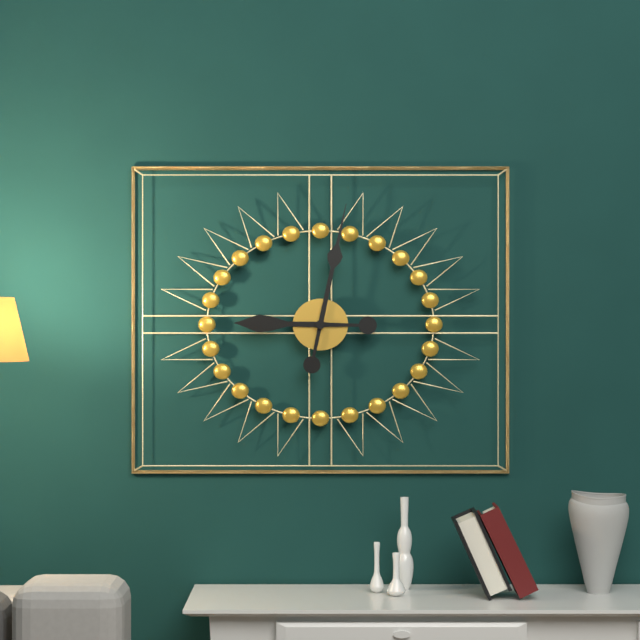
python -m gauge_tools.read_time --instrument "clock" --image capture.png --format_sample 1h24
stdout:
9h02
